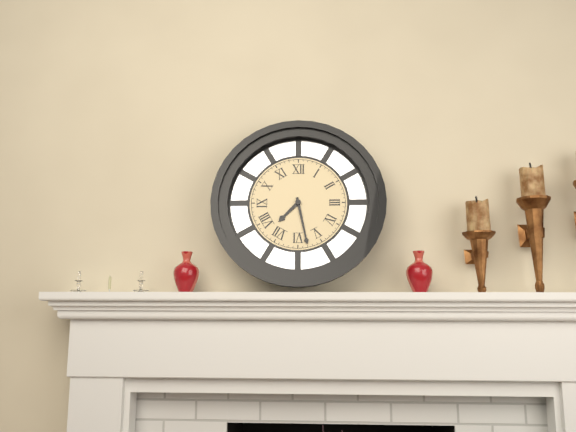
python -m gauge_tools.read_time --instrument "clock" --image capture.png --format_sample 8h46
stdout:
7h28
